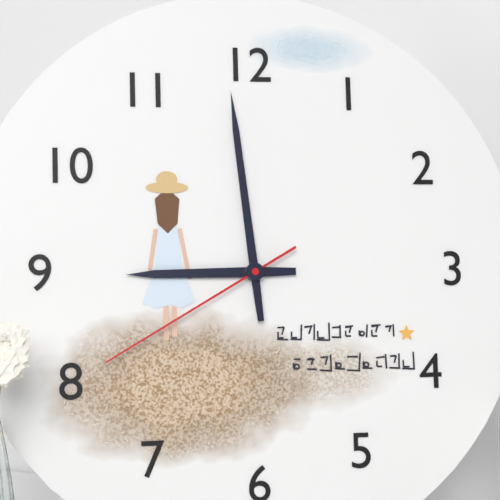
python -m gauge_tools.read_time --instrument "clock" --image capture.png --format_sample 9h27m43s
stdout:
8h59m40s
